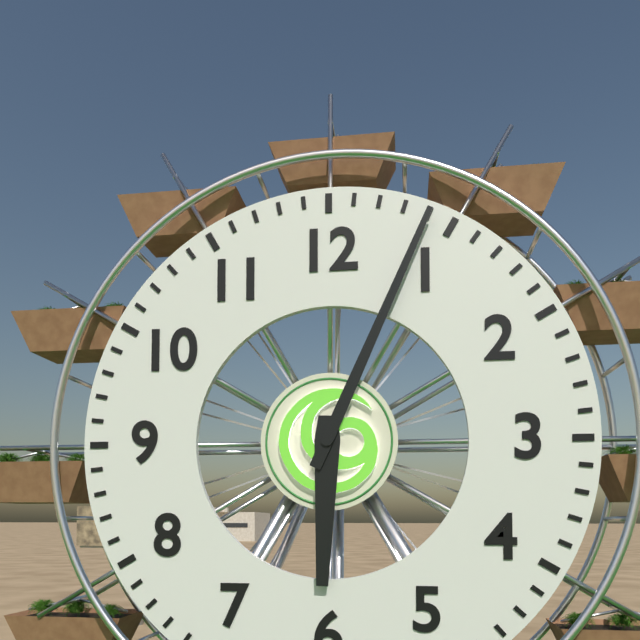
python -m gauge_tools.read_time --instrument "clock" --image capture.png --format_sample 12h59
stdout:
6h04
